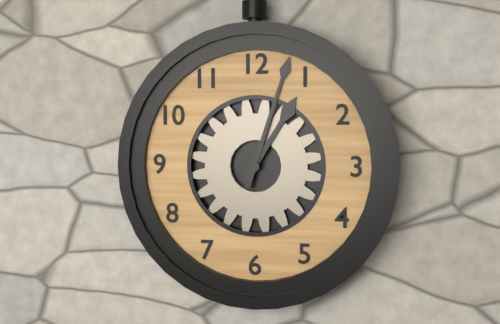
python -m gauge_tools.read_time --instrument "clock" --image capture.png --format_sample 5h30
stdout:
1h03
